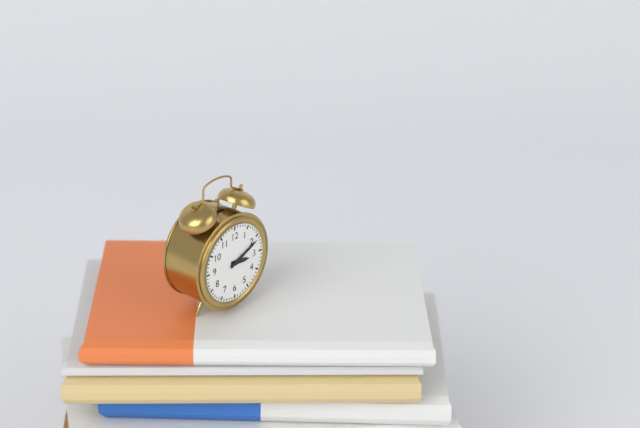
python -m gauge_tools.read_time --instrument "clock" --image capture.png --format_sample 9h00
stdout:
3h11
